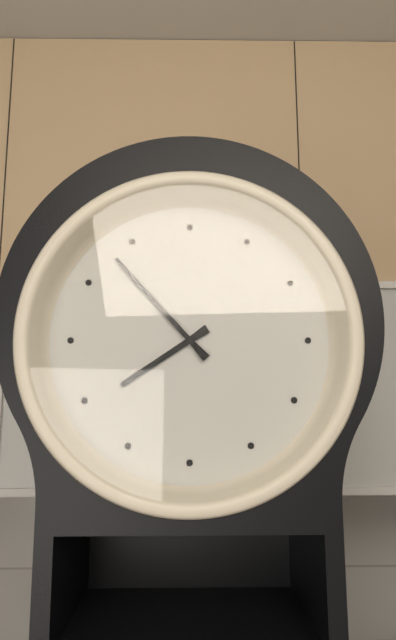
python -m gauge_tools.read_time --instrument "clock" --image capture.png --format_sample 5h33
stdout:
7h53
